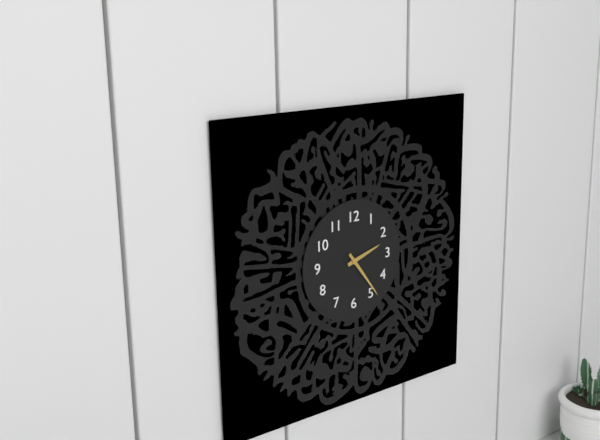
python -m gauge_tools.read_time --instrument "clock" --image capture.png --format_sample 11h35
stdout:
2h24
